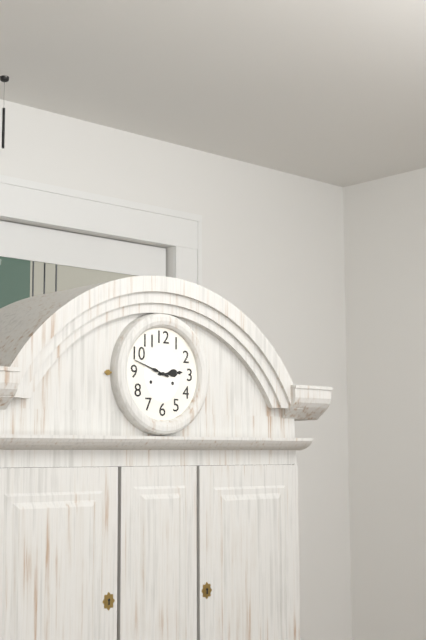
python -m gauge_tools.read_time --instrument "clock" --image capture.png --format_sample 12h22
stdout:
2h48
